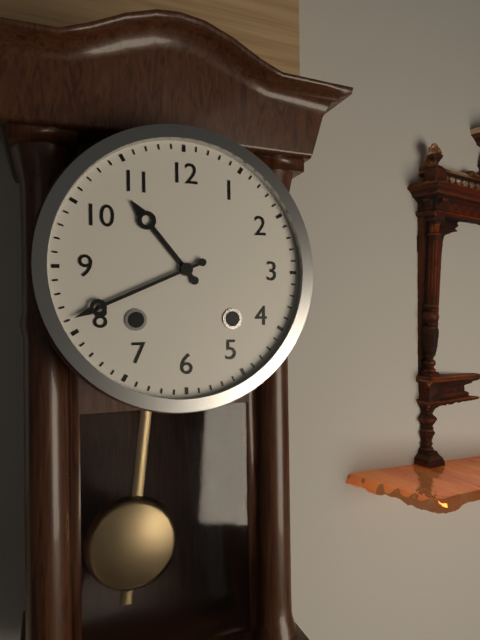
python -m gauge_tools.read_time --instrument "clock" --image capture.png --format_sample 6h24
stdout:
10h41
